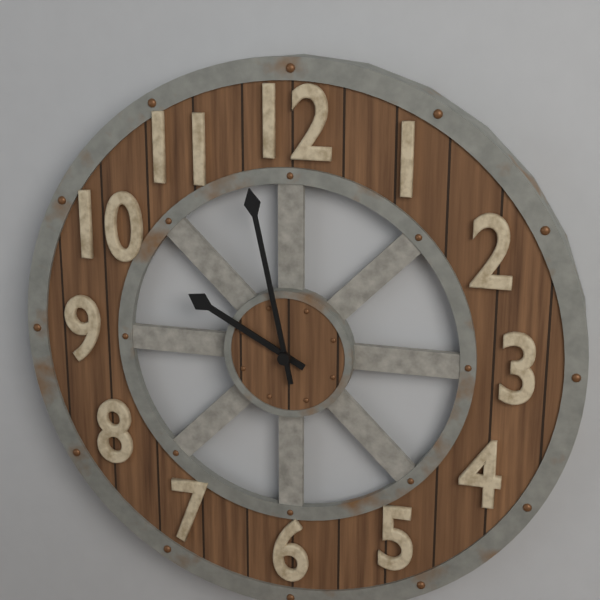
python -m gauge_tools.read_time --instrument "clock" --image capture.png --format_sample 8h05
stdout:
9h58
